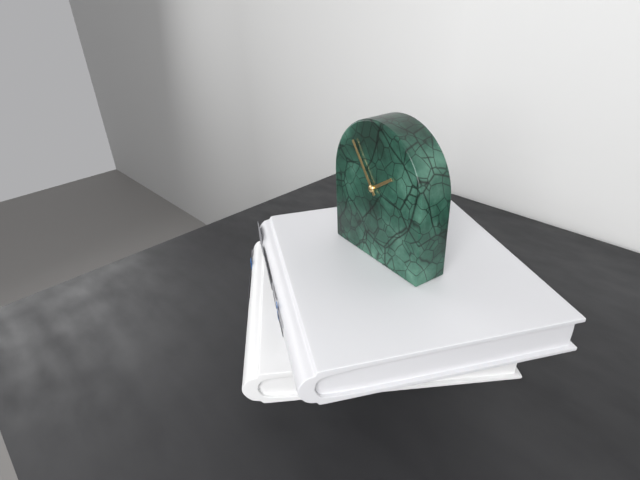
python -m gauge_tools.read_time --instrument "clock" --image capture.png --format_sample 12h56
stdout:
1h54
